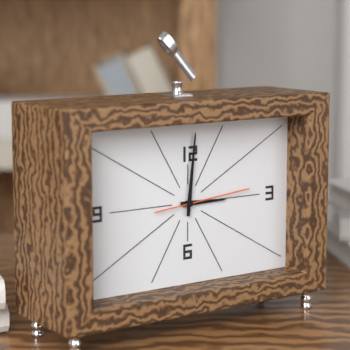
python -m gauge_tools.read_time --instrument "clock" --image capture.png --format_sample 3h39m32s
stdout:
3h01m14s
